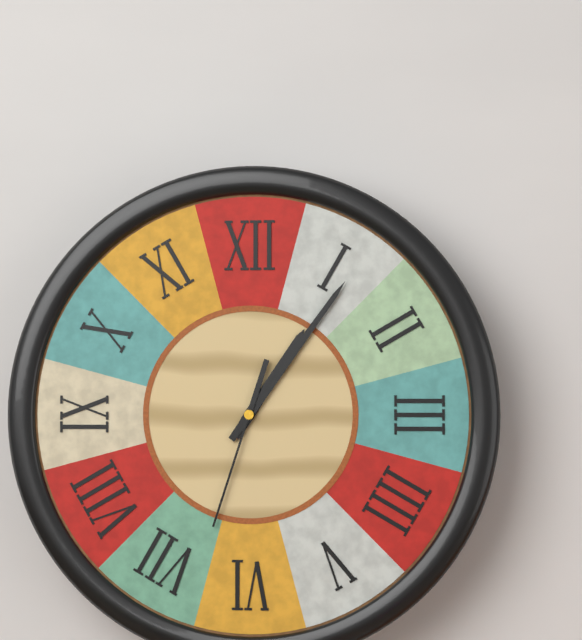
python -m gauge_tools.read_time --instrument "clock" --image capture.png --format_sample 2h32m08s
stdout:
1h06m33s
